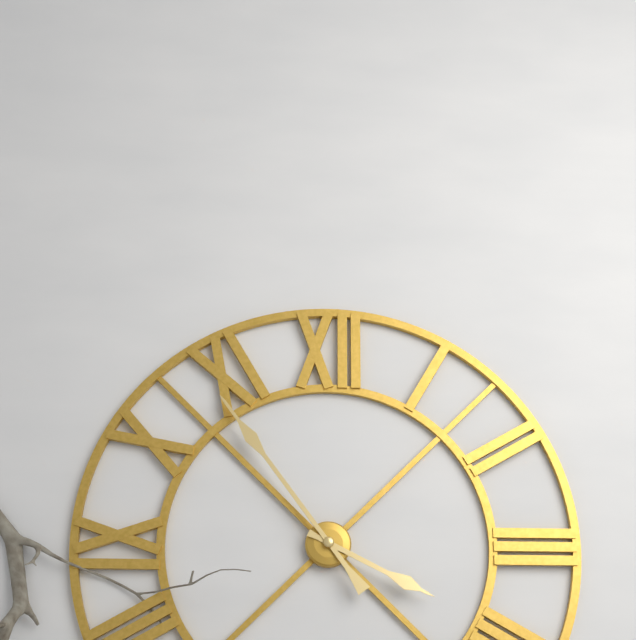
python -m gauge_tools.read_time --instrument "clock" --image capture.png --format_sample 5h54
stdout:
3h54
